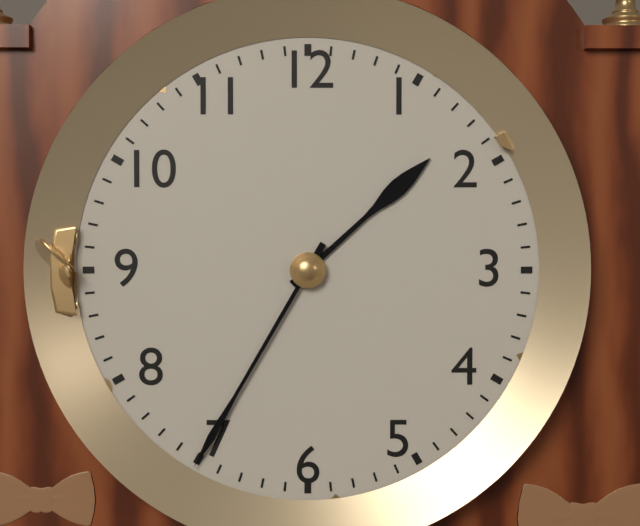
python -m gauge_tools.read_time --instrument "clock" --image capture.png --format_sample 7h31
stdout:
1h35
